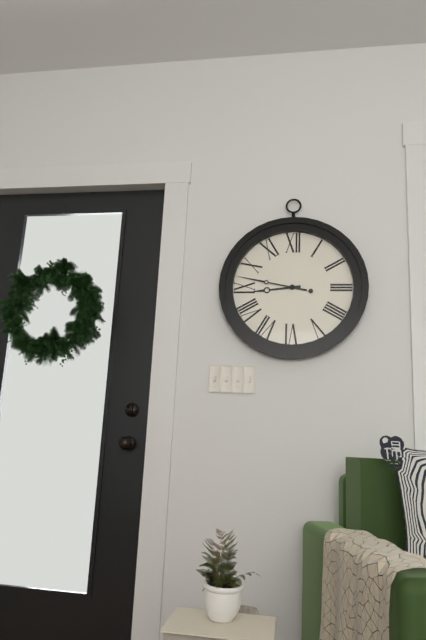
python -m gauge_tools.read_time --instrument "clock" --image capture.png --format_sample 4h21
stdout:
8h47
